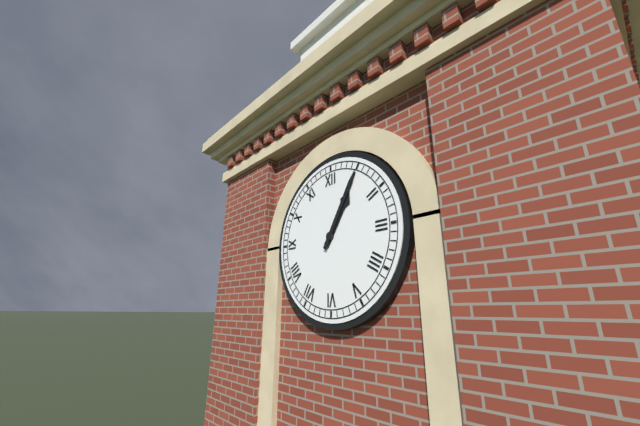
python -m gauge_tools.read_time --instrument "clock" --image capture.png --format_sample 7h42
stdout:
1h05
